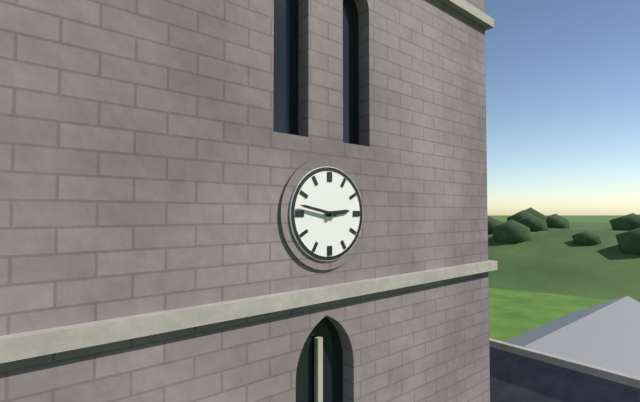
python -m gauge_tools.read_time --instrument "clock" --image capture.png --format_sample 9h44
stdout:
2h47
